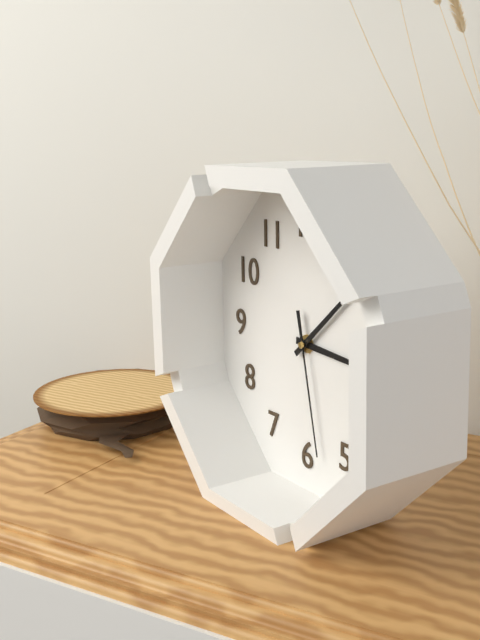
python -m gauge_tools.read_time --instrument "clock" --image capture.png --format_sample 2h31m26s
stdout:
3h08m28s
